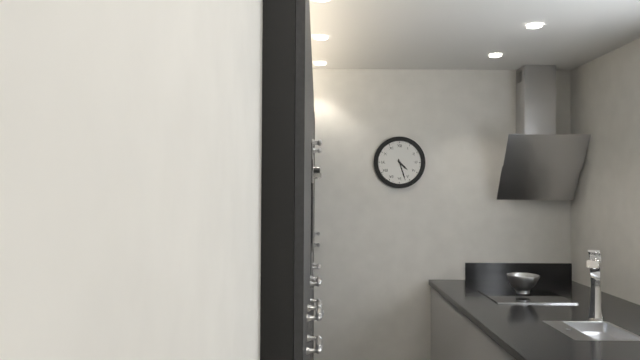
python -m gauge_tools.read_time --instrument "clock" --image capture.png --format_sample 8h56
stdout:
4h27
